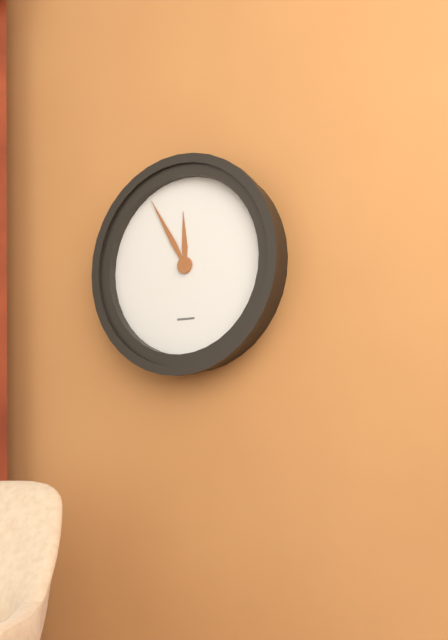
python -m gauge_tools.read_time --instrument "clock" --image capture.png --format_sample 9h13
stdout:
11h55
